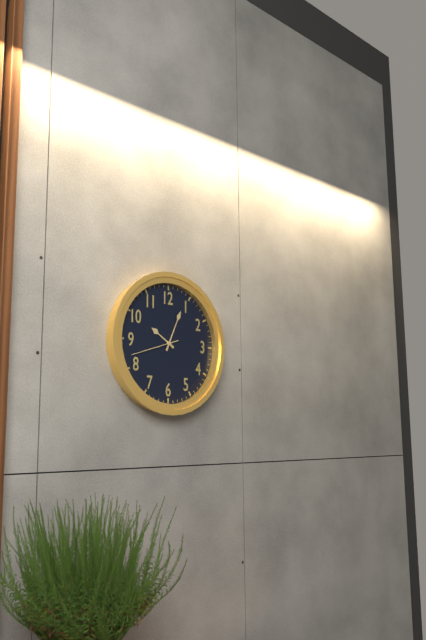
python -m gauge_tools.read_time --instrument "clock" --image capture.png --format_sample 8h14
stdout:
10h04
